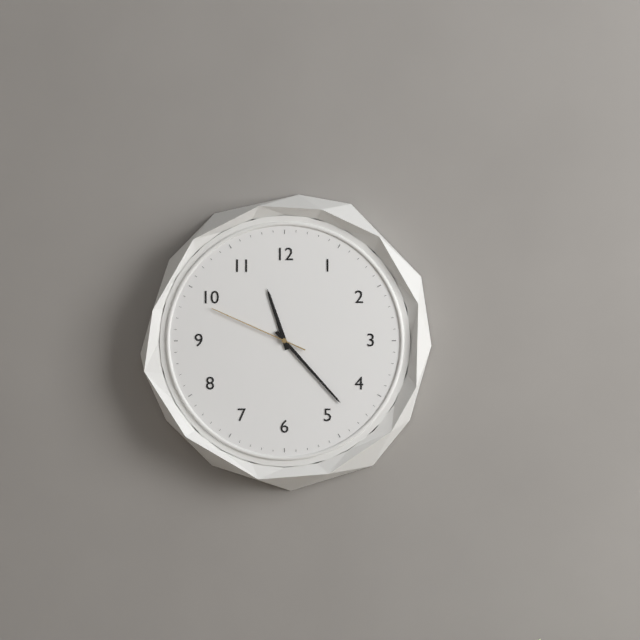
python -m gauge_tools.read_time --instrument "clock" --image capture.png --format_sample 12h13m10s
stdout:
11h23m49s
